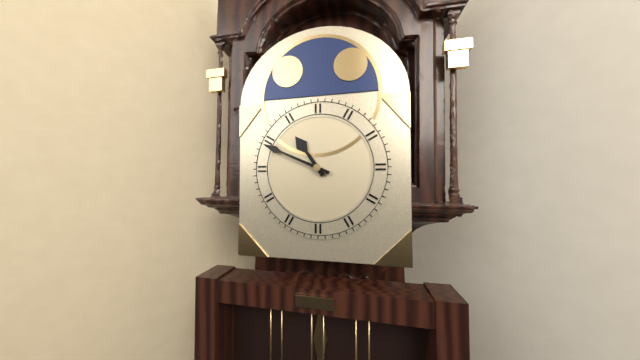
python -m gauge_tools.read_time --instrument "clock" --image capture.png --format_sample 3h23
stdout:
10h49
